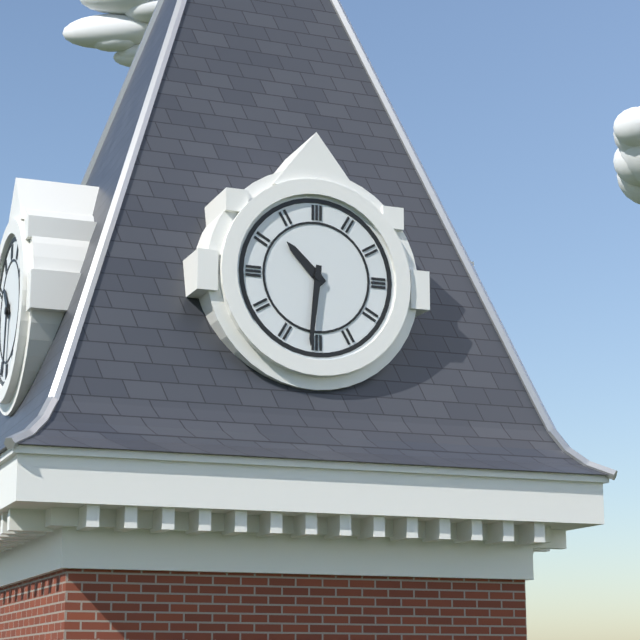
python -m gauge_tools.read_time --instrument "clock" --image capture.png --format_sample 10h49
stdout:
10h31
